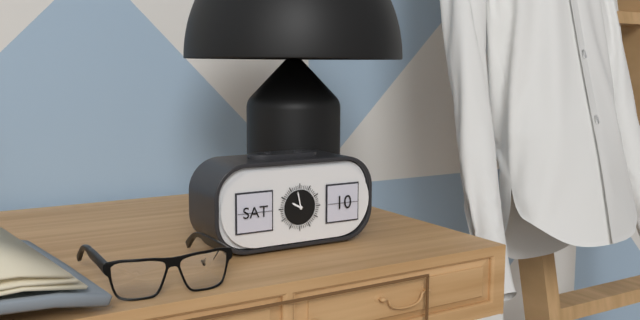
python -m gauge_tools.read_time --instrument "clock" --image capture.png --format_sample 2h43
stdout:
9h58
